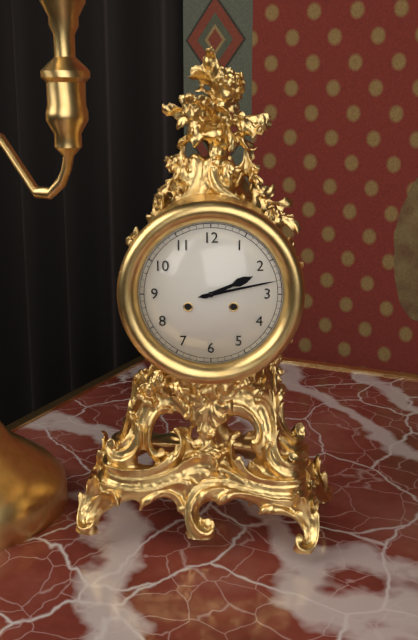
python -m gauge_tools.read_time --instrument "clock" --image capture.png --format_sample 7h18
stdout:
2h13
